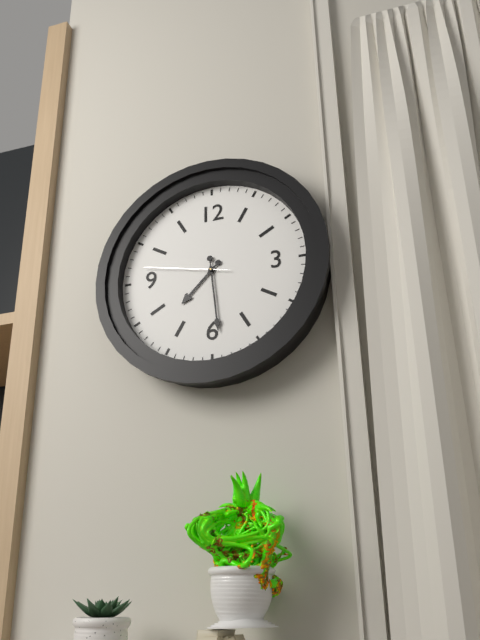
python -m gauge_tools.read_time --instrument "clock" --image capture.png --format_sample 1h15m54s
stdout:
7h29m47s
